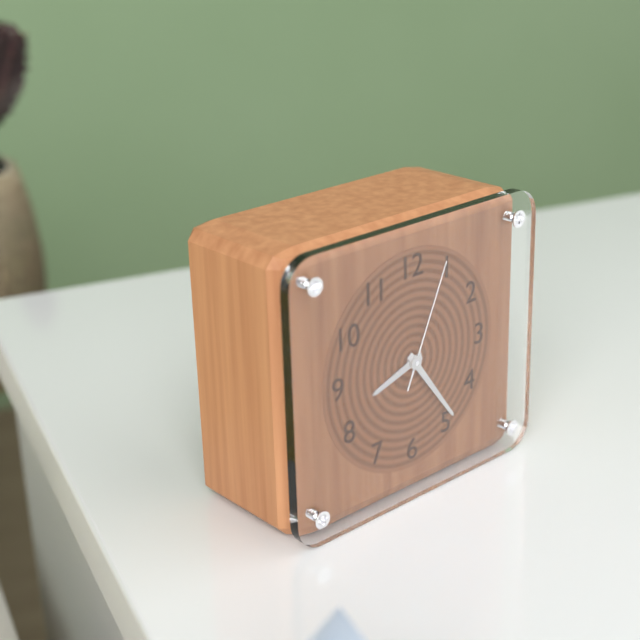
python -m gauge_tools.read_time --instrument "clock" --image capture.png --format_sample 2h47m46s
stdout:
8h24m04s
